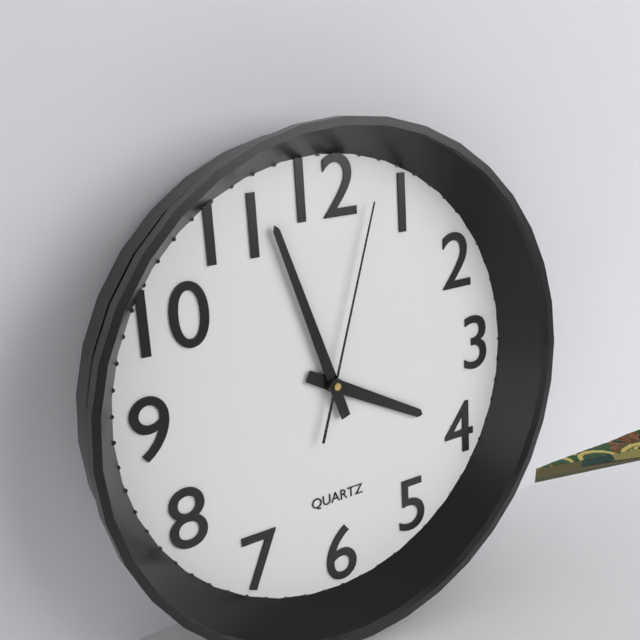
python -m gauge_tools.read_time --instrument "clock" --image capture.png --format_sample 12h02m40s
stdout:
3h57m03s
